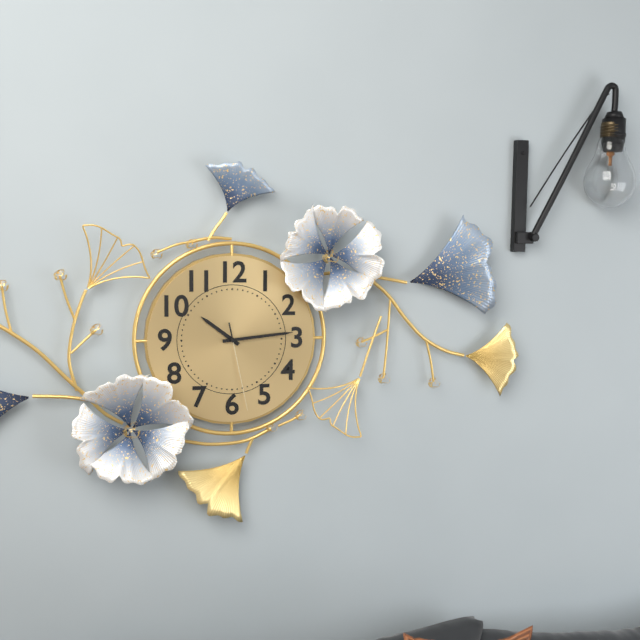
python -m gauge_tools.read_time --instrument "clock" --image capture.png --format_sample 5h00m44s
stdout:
10h14m28s
